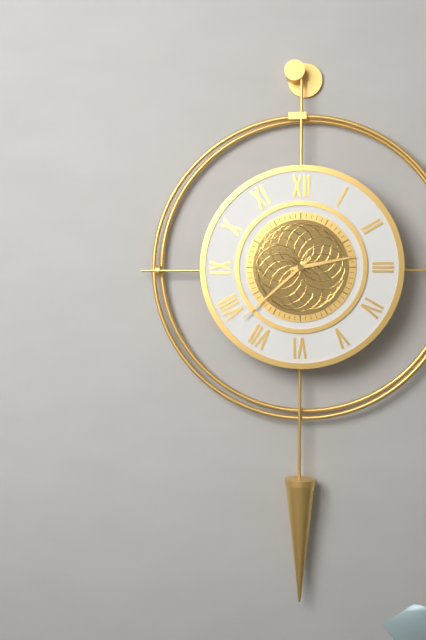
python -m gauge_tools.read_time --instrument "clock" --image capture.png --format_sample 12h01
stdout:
2h38
